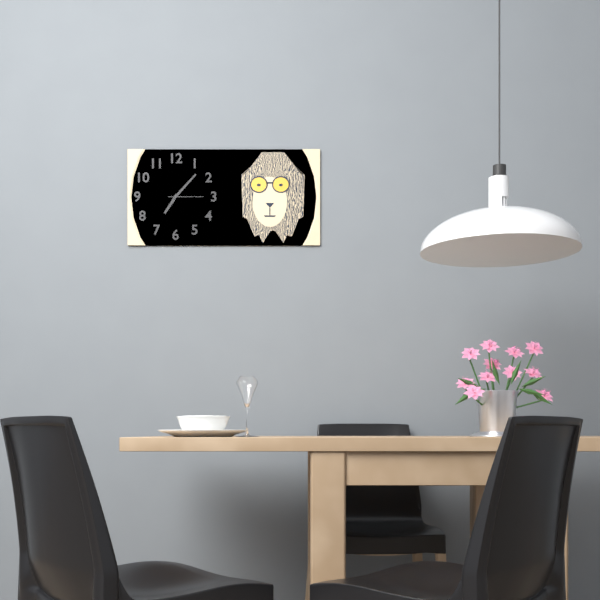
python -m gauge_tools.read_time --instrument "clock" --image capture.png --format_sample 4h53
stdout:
7h07
